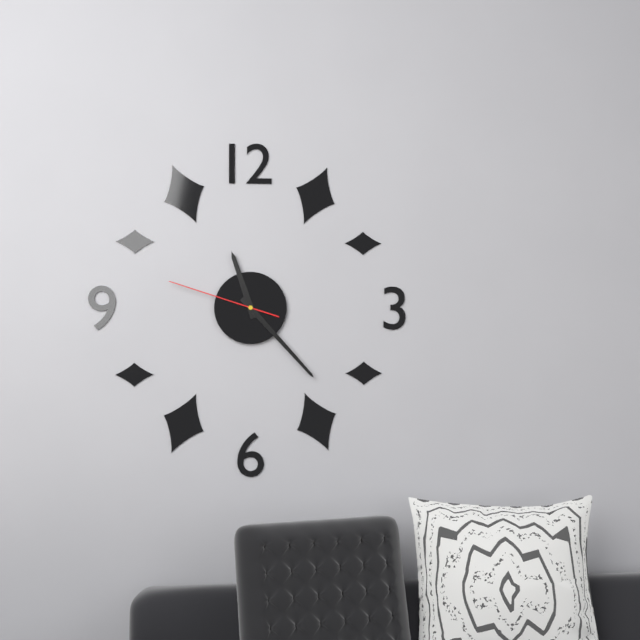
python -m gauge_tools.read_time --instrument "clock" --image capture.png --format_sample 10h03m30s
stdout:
11h23m48s
